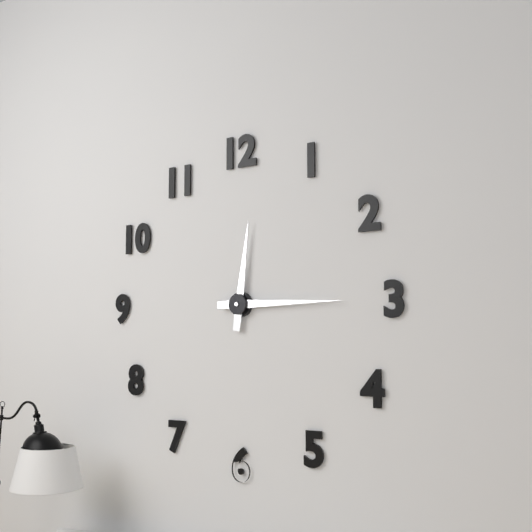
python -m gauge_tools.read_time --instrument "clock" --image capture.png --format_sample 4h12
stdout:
12h15
